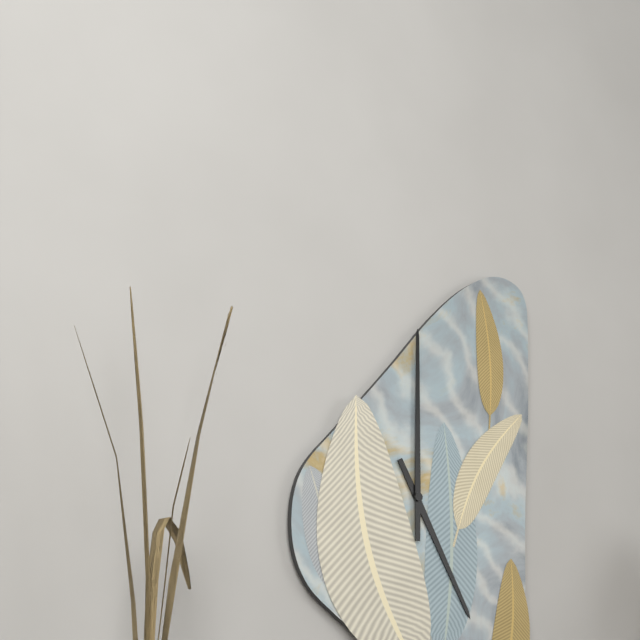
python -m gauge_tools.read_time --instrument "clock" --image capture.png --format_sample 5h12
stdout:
5h00
